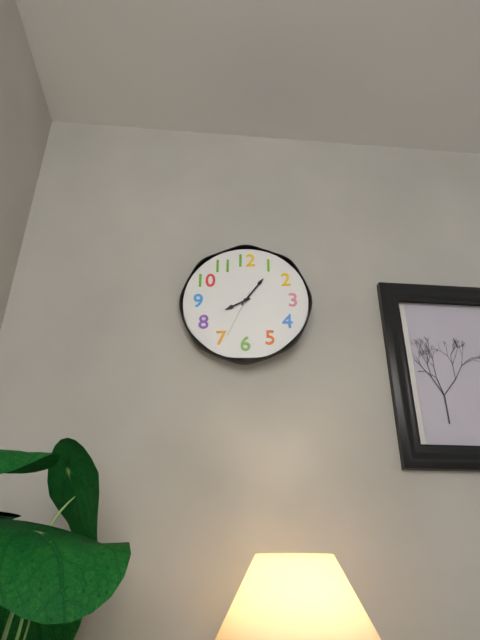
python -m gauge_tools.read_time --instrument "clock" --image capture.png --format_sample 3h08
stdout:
8h06
